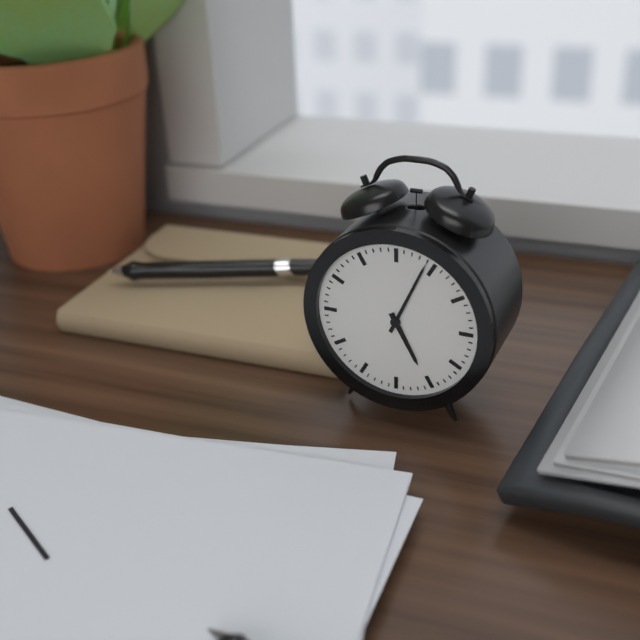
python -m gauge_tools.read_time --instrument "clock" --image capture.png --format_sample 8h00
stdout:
5h04
